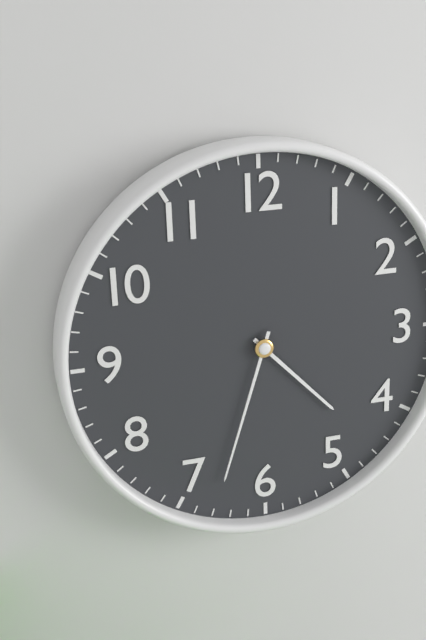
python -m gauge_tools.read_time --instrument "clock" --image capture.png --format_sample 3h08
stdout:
4h33
